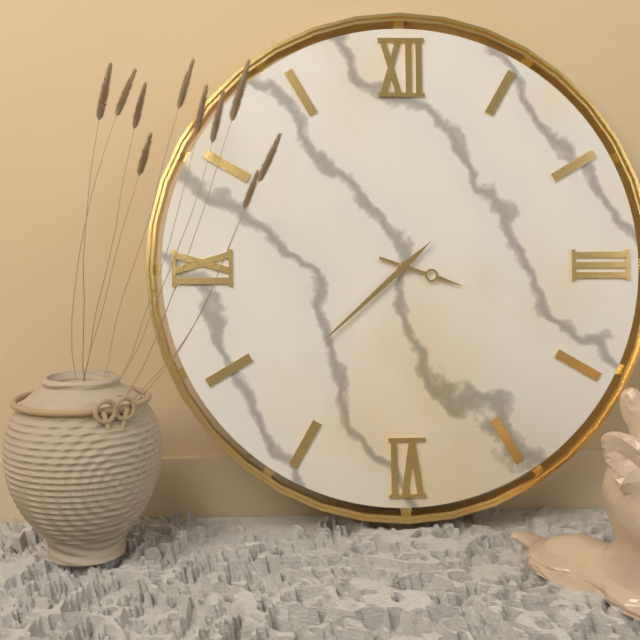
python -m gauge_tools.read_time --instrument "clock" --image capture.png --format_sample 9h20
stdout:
3h38
